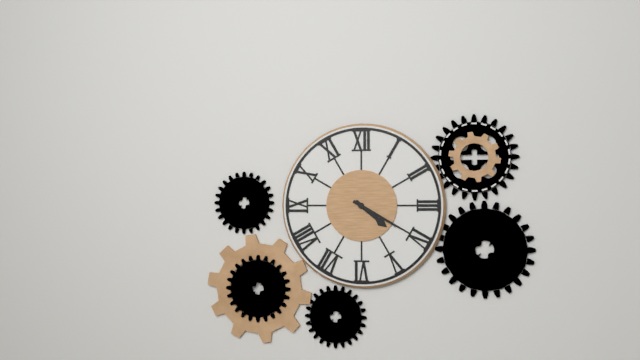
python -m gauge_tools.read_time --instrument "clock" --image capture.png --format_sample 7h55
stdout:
4h20
